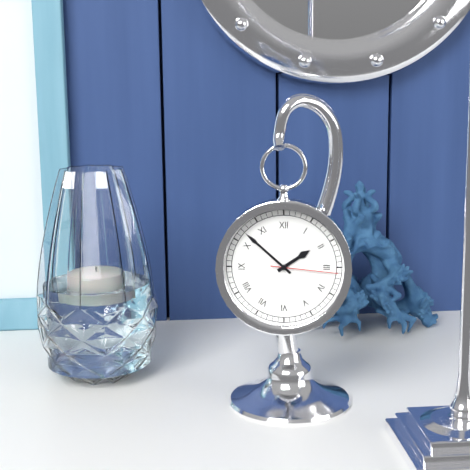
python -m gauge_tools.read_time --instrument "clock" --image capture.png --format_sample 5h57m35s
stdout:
1h52m16s
